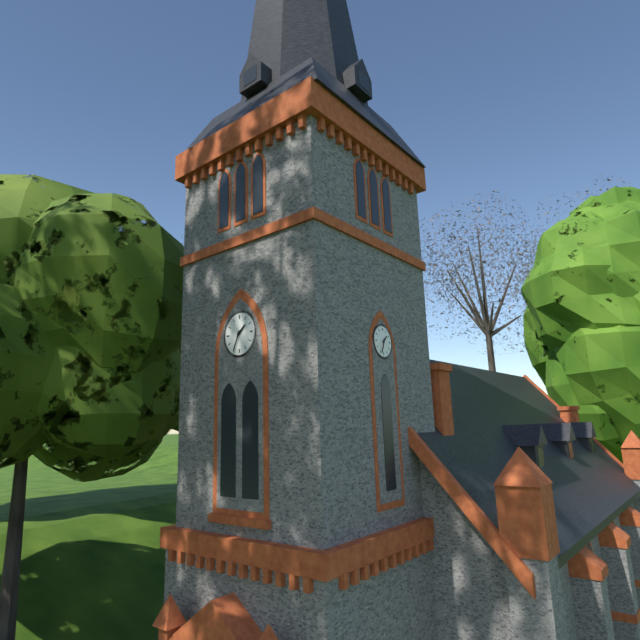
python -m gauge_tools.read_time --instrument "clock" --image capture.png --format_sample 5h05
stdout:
1h34
